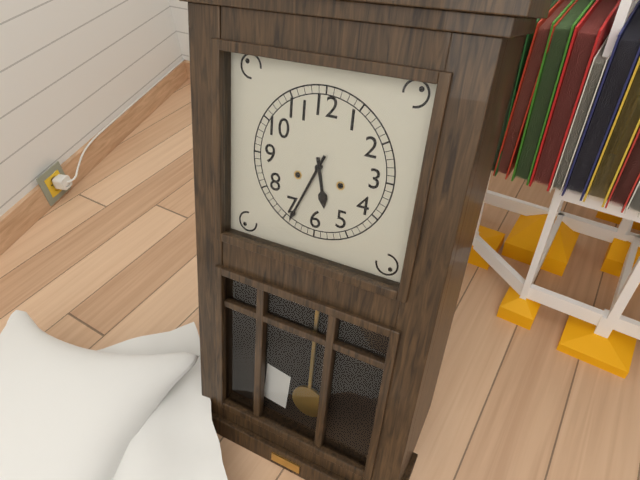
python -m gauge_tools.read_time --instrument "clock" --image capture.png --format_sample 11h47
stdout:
5h34
